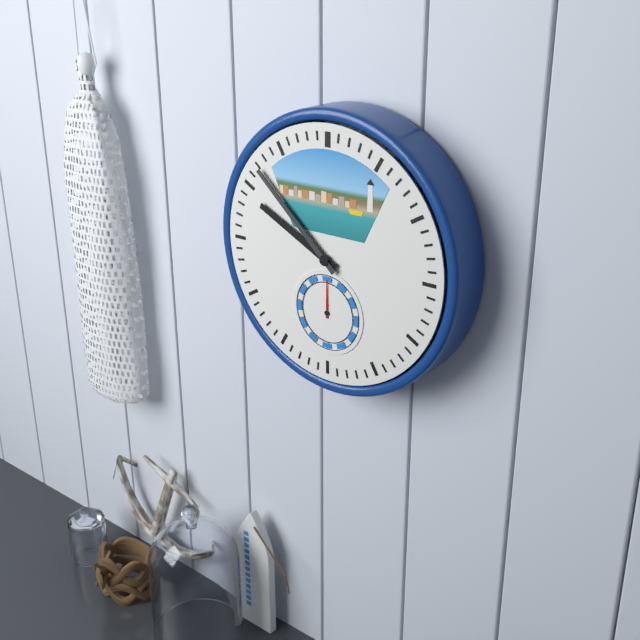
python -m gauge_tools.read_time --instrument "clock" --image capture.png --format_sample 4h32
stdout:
9h52
